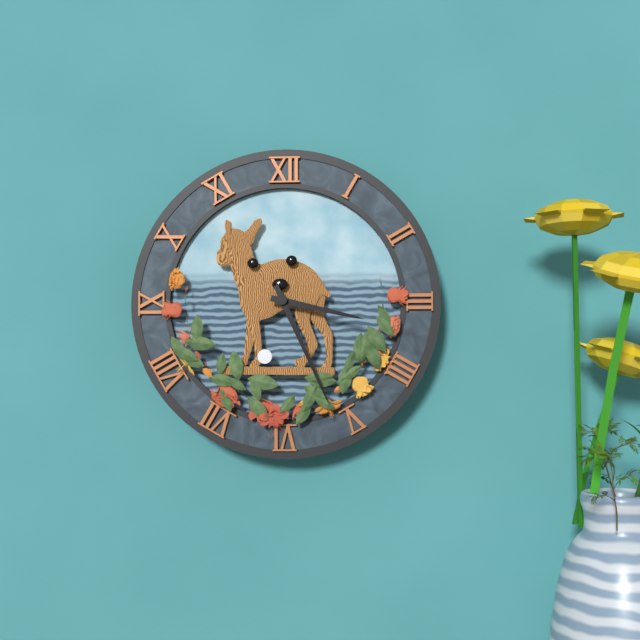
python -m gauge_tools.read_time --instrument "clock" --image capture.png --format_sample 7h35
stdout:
3h26
